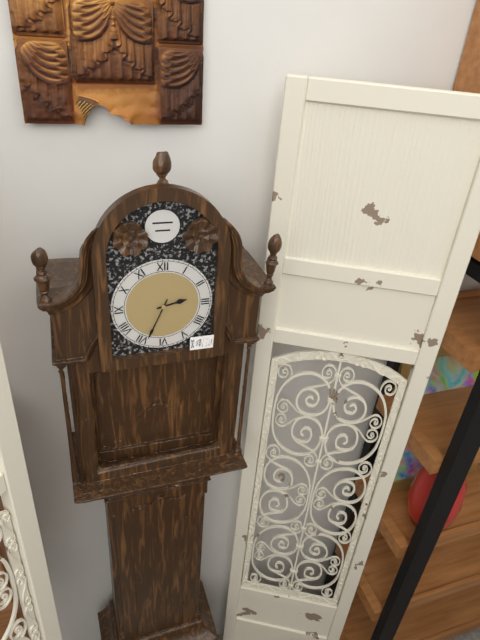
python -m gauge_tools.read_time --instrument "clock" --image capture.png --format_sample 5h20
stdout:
2h34
